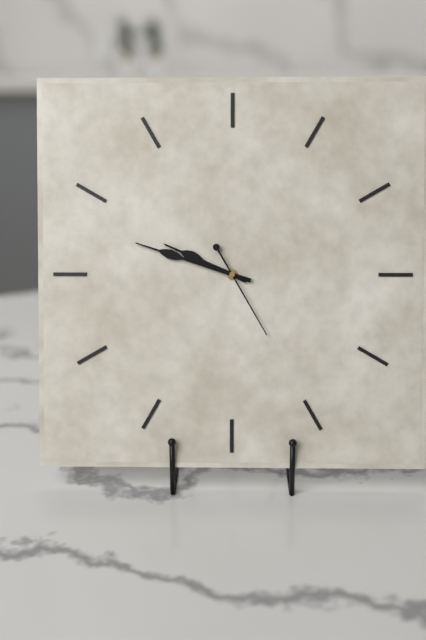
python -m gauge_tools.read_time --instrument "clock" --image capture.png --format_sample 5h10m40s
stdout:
9h48m25s
